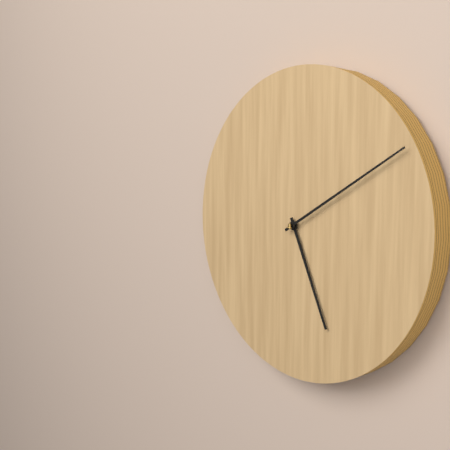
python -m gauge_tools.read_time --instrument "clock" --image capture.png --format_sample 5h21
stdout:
5h10
